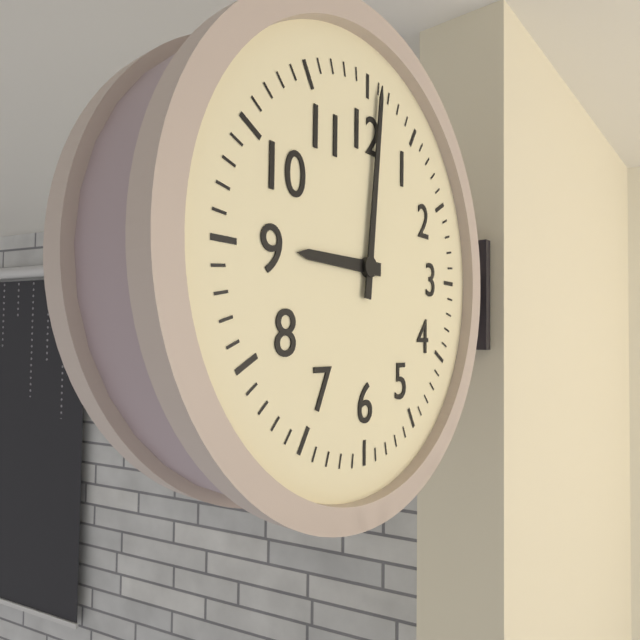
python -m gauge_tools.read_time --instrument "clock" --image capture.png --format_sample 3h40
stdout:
9h01
